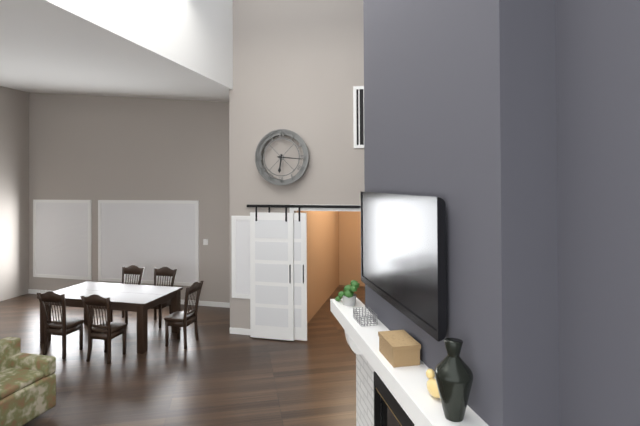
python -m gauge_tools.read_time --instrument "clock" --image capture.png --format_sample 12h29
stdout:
6h16
